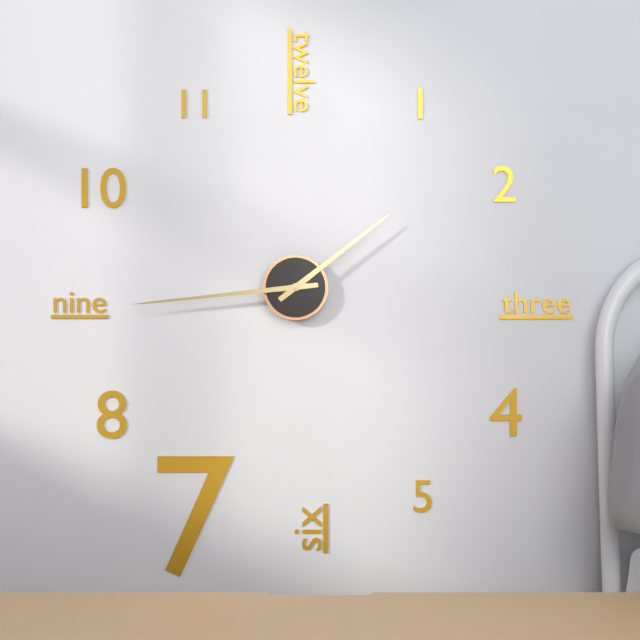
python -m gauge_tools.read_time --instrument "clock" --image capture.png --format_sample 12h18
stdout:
1h44
